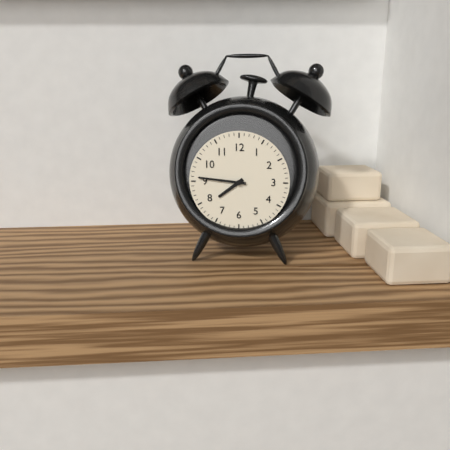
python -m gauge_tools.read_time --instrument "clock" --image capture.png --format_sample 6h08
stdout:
7h46
